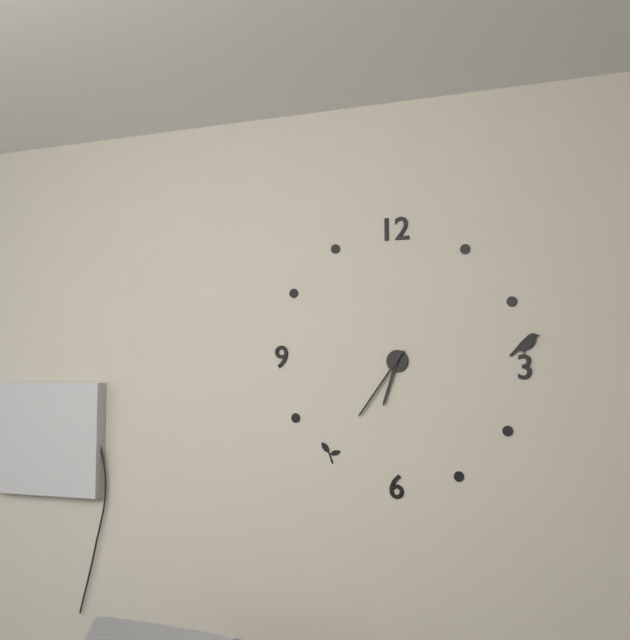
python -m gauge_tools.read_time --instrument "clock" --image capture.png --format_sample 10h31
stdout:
6h36
